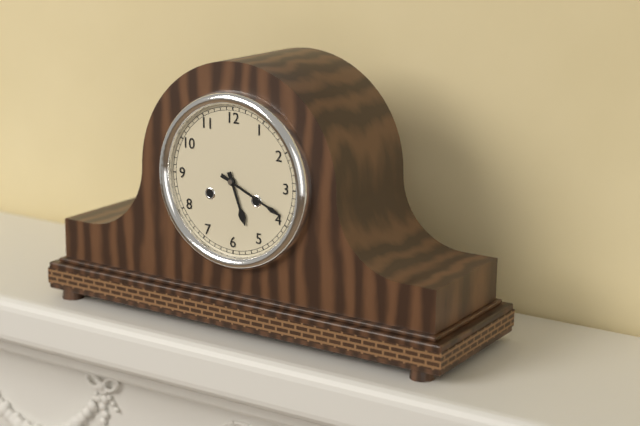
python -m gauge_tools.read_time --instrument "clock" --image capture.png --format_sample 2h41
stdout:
5h19
